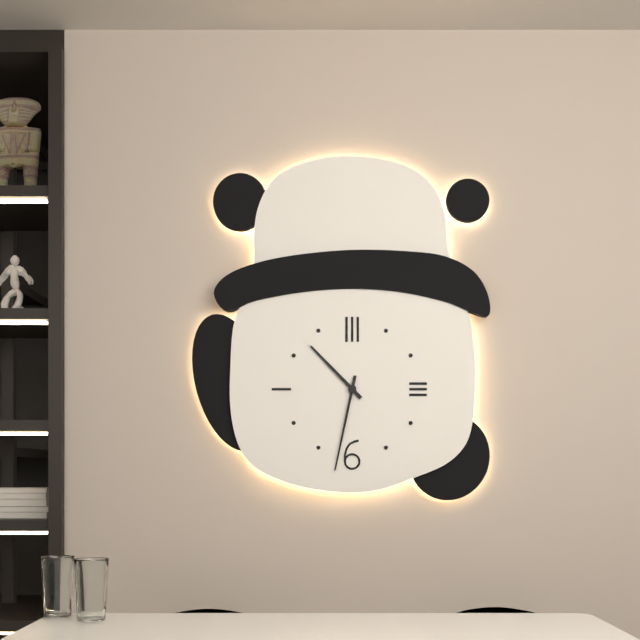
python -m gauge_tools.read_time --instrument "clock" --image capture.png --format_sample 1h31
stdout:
10h32
